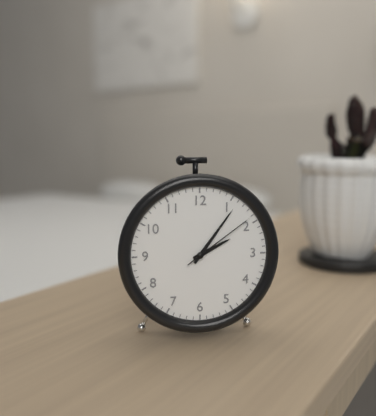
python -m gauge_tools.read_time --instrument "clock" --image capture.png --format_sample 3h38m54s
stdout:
2h06m09s
